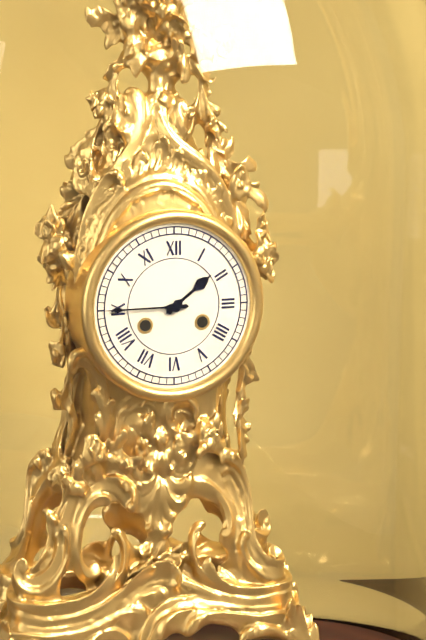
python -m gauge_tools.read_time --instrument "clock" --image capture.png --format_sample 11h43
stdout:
1h45
